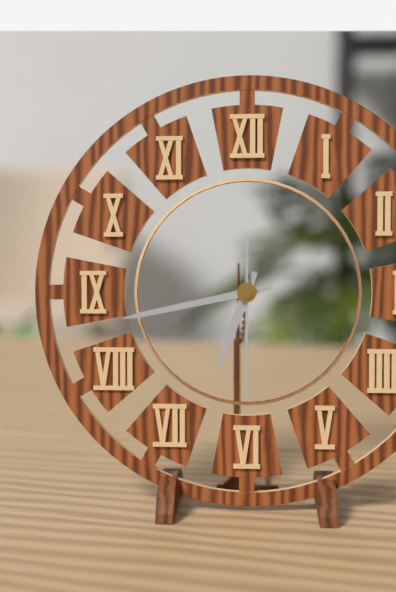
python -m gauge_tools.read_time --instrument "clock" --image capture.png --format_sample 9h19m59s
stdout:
6h43m30s
